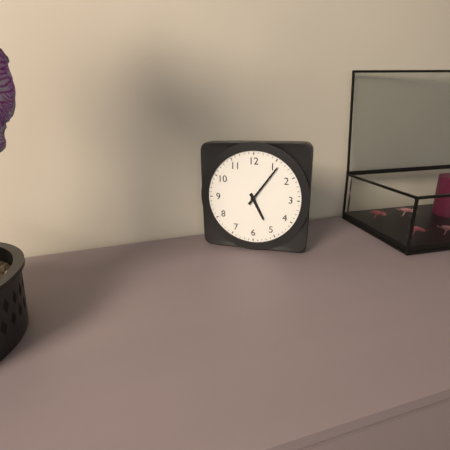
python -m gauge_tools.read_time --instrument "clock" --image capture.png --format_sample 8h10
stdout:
5h06
